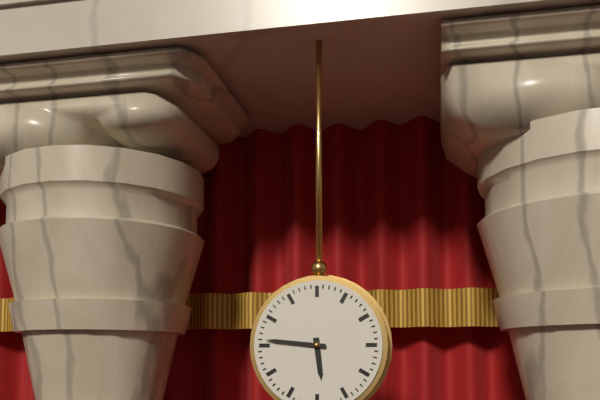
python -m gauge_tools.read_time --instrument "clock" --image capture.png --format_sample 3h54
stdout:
5h46
